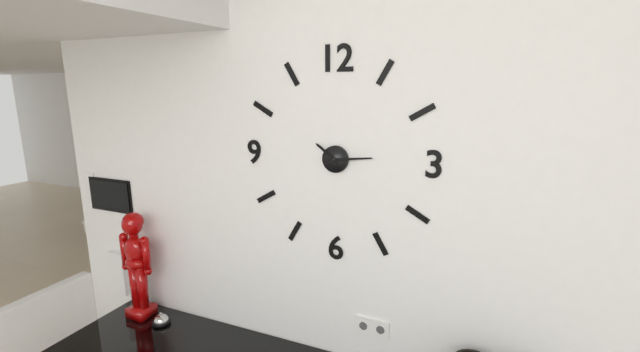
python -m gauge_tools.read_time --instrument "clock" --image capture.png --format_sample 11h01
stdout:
10h14
